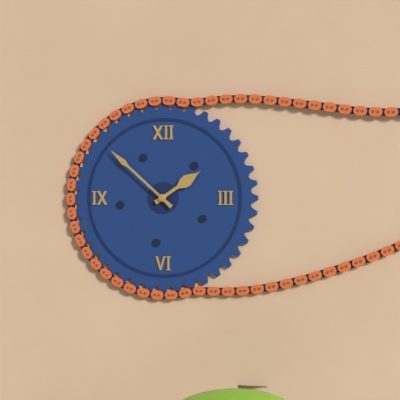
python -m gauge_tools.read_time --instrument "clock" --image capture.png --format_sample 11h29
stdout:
1h52
